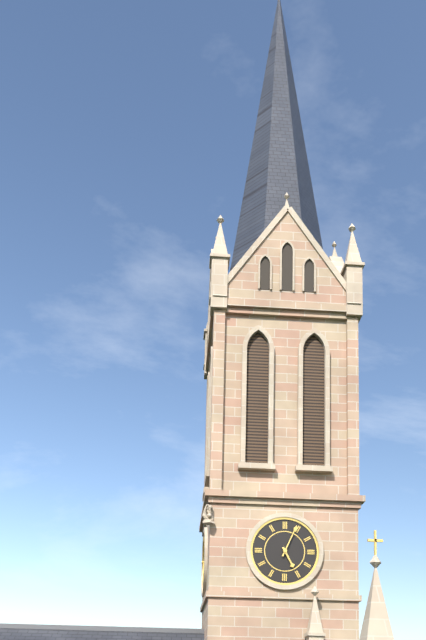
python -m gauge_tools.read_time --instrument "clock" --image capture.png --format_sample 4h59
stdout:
5h04
